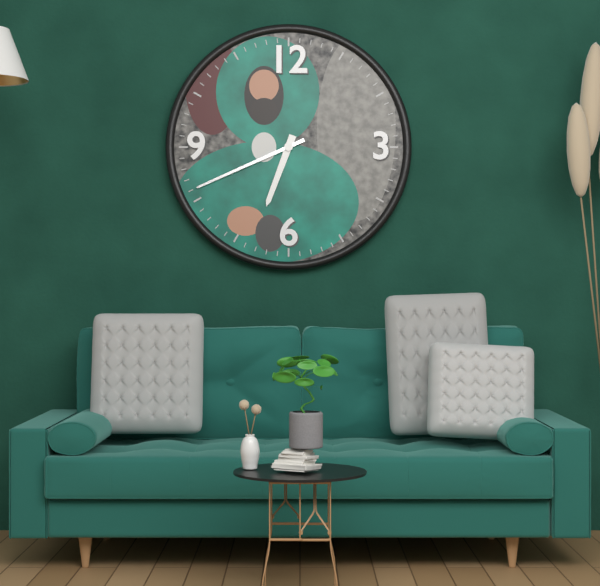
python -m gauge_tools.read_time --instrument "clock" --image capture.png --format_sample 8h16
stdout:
6h41
